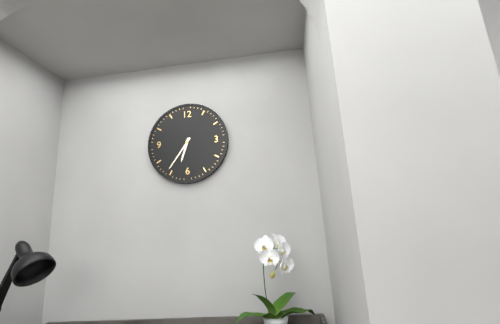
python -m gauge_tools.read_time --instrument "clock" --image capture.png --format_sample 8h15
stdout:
6h36
